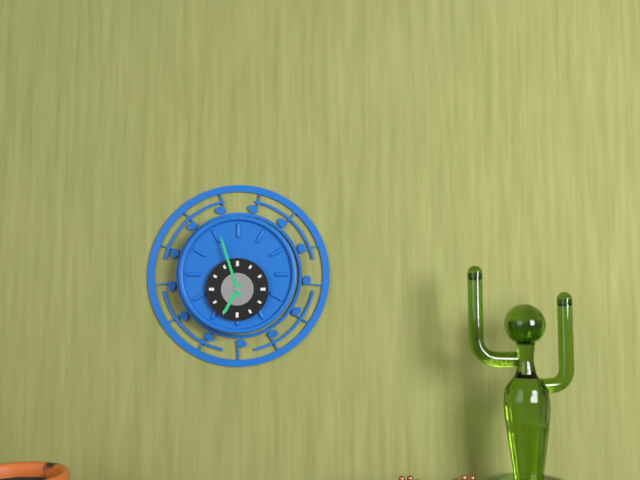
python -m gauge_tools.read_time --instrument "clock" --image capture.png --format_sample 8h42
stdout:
6h57
